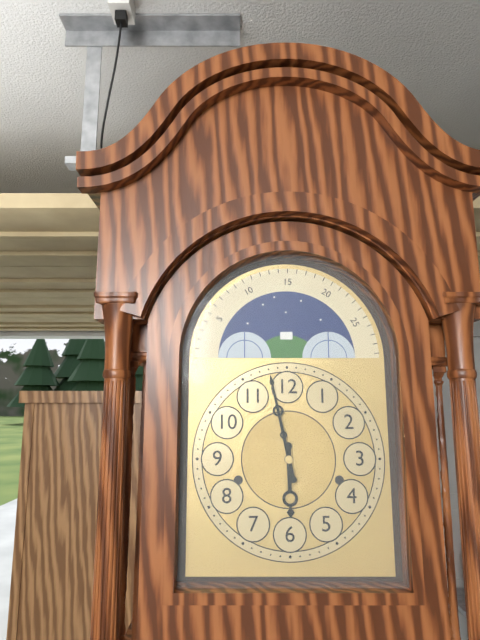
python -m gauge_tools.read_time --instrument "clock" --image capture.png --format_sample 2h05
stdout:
5h58
